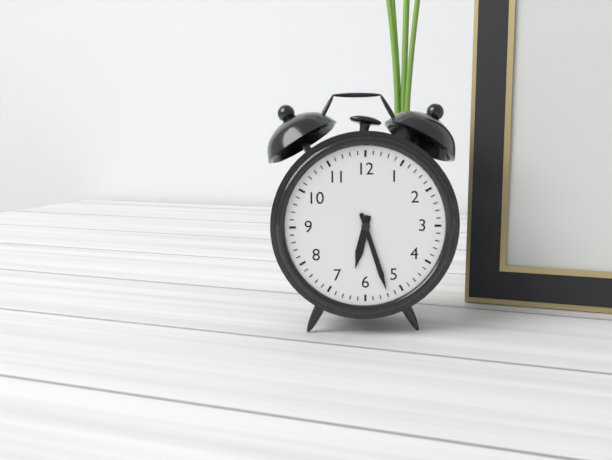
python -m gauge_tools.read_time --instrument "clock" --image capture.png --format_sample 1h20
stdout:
6h27
